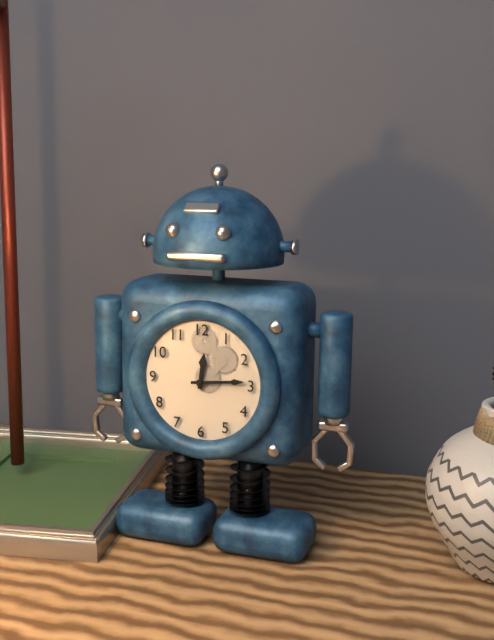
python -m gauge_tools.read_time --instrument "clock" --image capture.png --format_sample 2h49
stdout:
12h14
